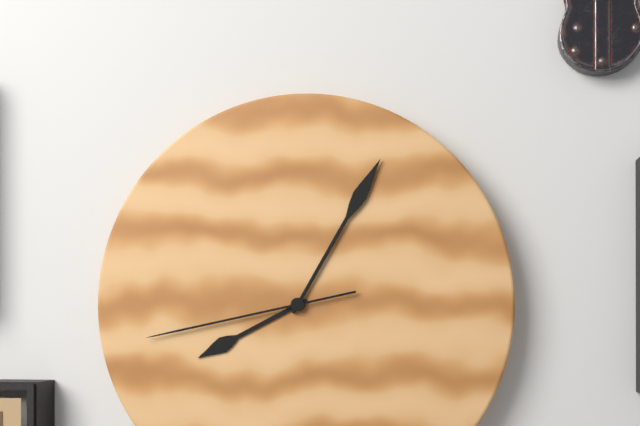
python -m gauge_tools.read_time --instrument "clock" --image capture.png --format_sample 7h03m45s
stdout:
8h05m43s
